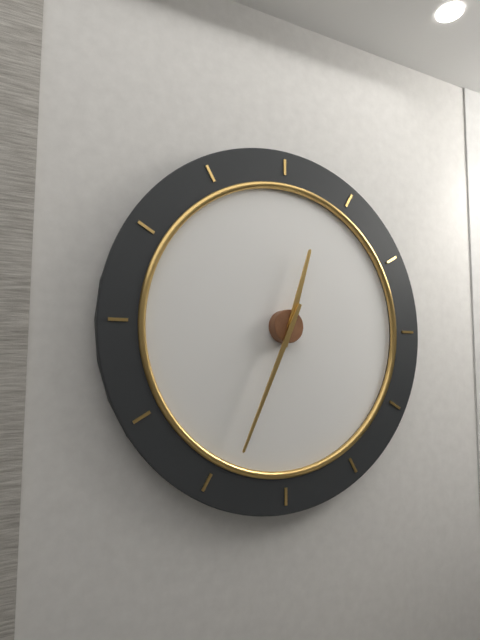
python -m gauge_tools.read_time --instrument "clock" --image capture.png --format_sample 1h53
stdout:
12h34
